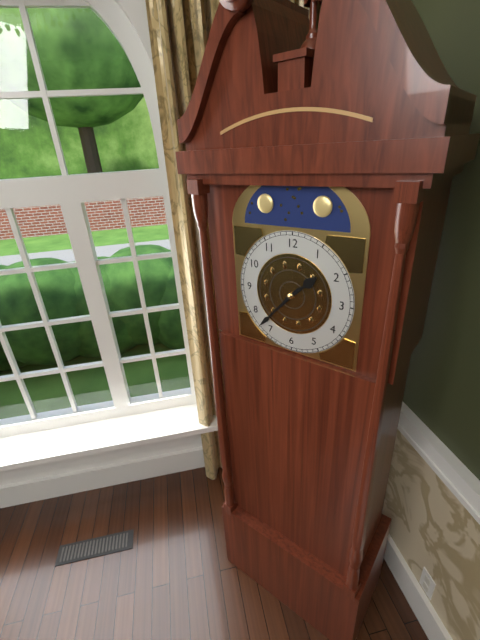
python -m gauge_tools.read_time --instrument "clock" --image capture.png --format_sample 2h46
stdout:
1h37
